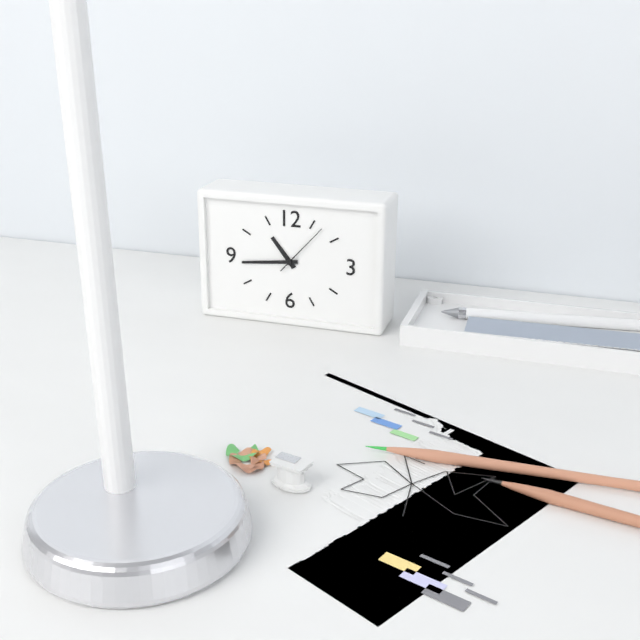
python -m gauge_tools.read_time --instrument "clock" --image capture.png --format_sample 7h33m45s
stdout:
10h44m07s
